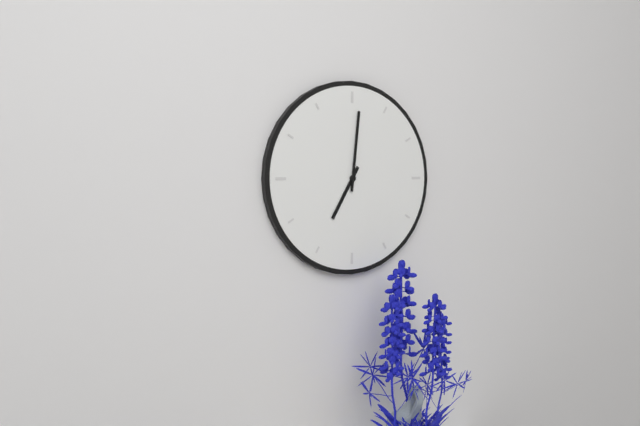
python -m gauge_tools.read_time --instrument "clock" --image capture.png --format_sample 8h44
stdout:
7h01
